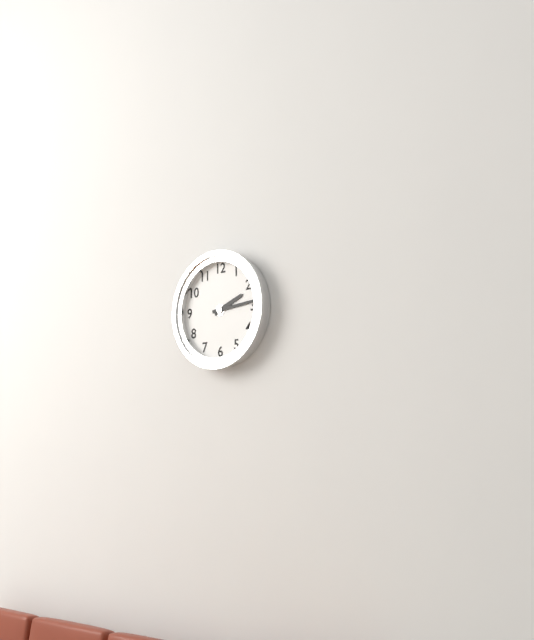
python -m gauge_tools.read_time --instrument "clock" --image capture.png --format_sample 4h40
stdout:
2h14
